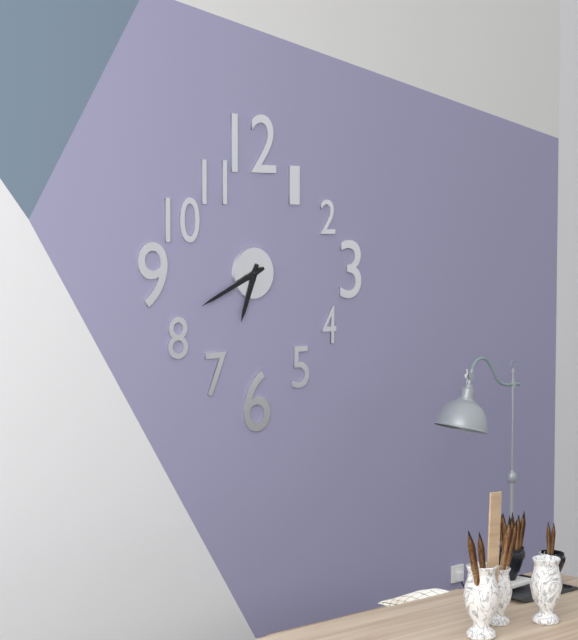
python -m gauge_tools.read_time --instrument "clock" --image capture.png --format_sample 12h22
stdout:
6h41
